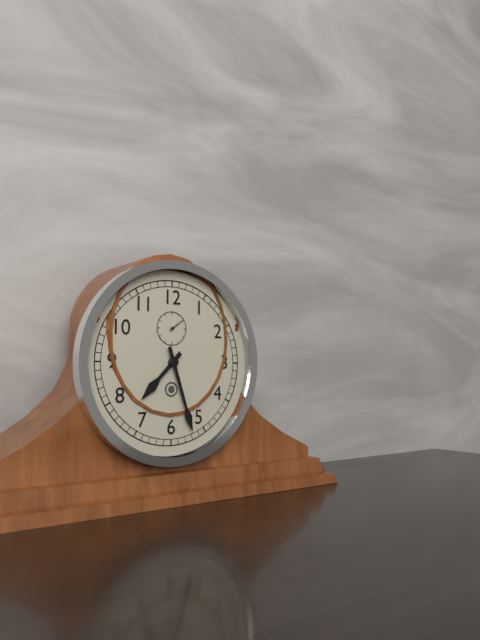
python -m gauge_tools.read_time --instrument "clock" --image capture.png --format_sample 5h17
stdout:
7h27
